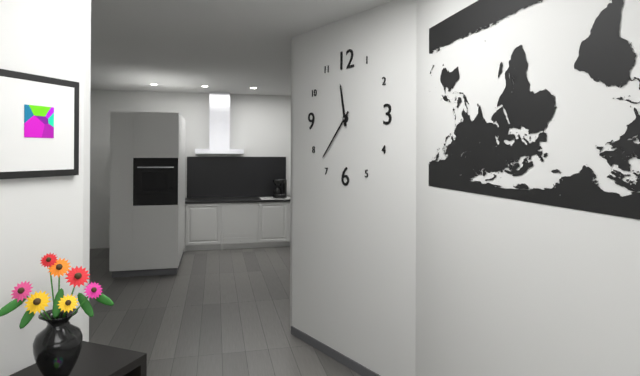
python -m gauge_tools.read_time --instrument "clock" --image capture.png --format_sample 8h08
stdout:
11h37
